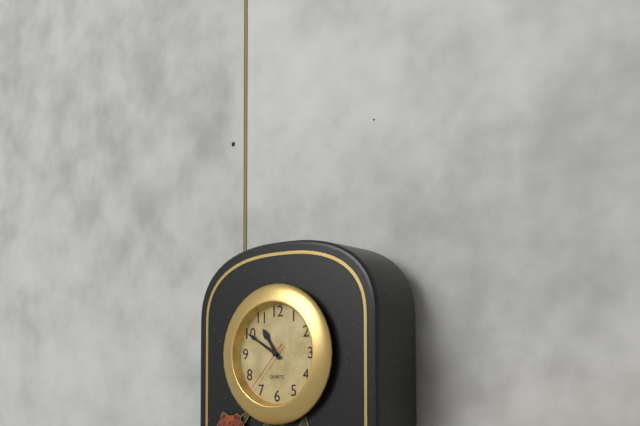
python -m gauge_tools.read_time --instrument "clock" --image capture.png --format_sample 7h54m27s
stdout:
10h50m37s
